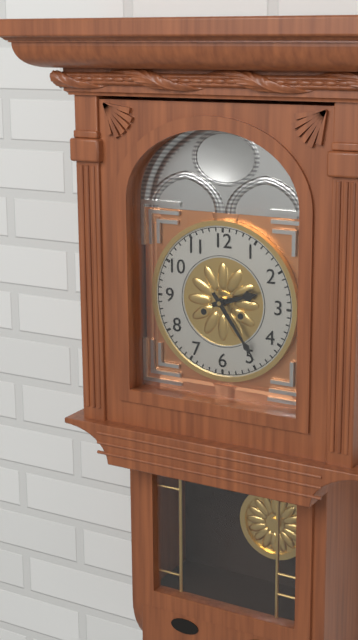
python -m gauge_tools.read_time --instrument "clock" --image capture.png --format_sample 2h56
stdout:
2h24
